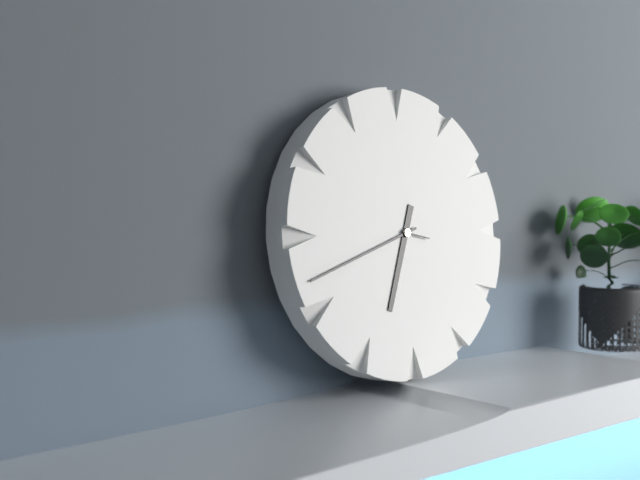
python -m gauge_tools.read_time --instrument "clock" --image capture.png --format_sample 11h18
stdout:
6h42
